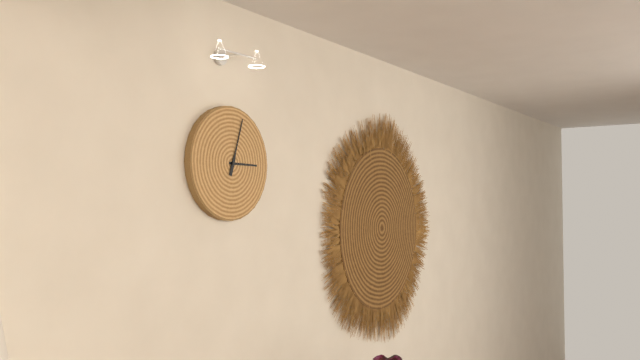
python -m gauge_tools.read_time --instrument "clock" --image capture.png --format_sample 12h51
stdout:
3h03
